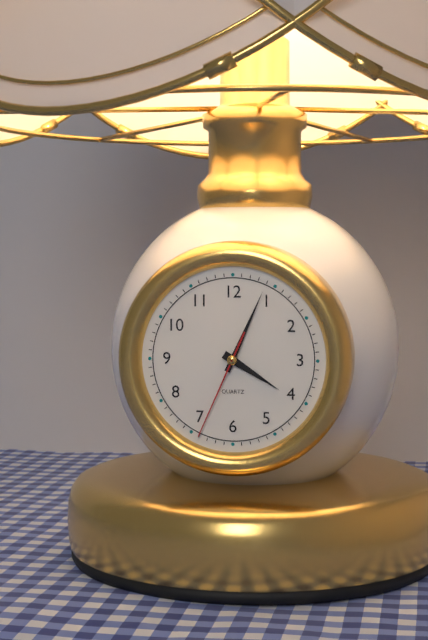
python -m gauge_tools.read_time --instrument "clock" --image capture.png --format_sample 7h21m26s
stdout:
4h04m34s
